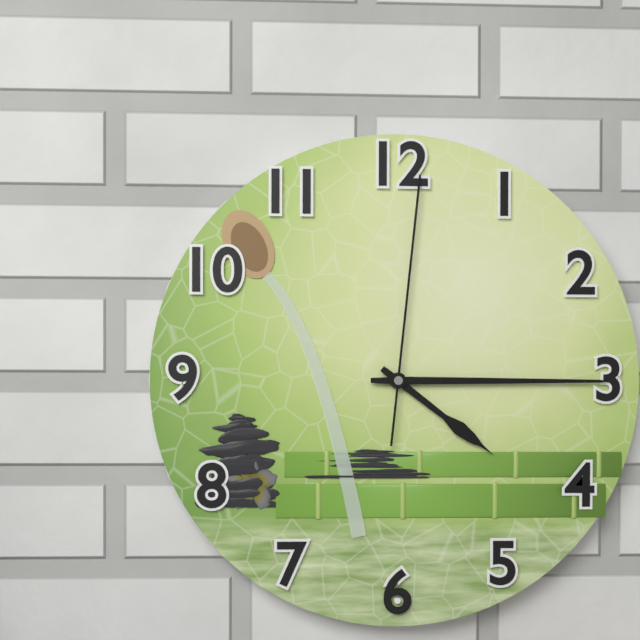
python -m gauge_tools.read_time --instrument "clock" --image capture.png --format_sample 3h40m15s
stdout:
4h15m01s
